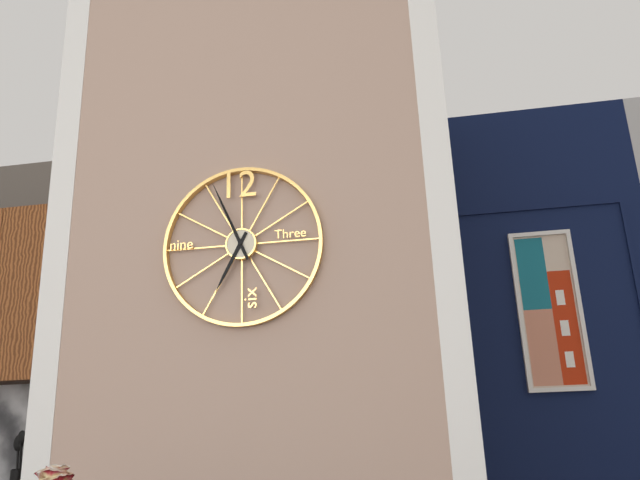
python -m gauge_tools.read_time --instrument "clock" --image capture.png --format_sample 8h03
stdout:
6h56
